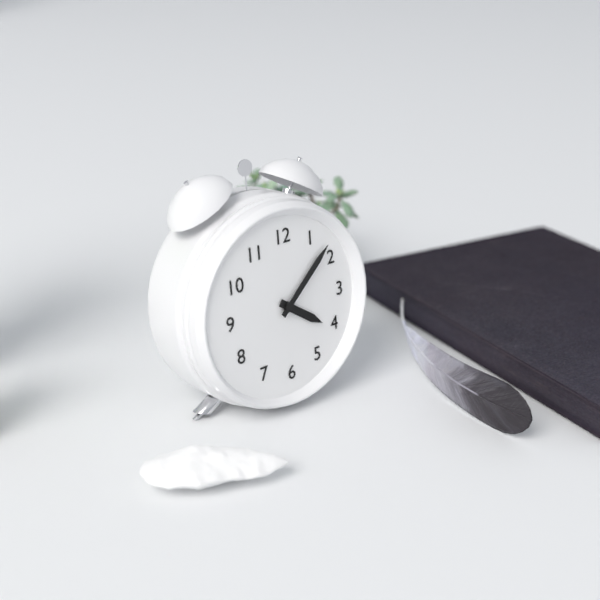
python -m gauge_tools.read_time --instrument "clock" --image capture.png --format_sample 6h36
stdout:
4h08
